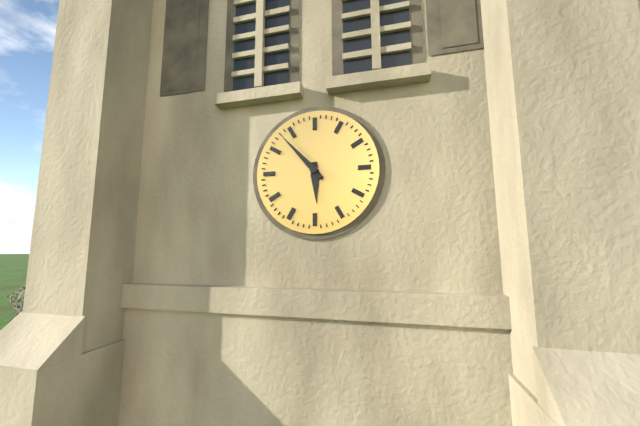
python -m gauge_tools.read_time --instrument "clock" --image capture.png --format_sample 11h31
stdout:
5h53
